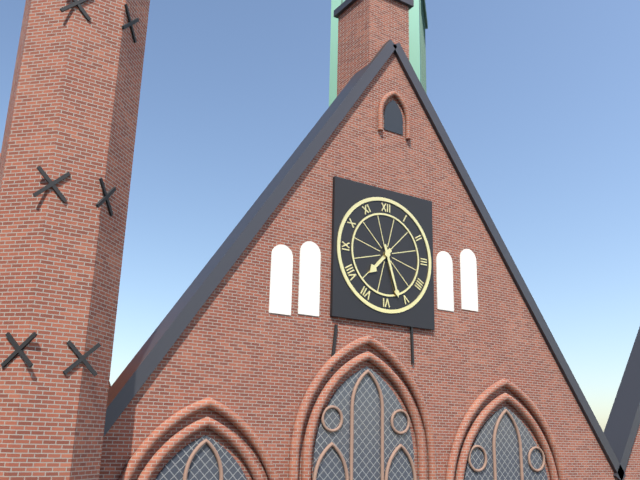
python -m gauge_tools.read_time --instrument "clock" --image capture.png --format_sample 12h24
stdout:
7h27
